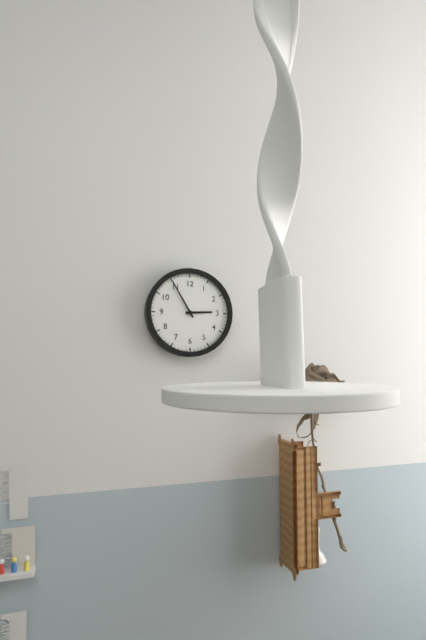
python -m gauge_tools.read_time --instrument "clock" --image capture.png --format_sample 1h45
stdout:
2h55
